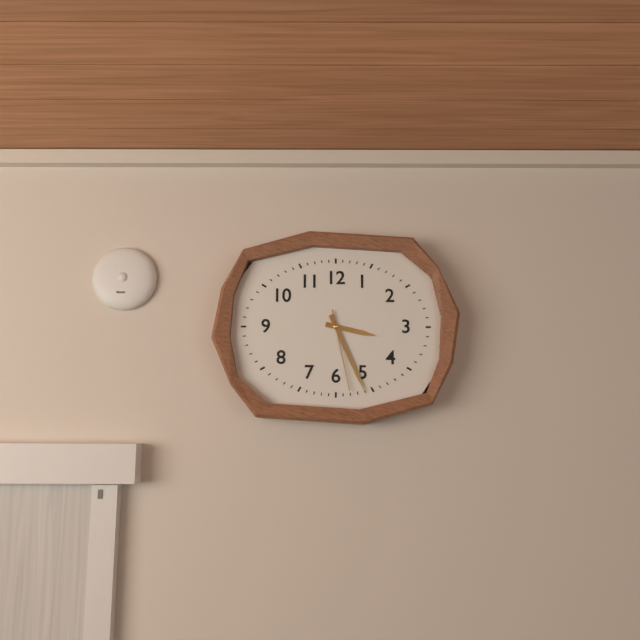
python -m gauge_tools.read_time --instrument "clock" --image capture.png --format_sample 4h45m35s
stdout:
3h26m28s
